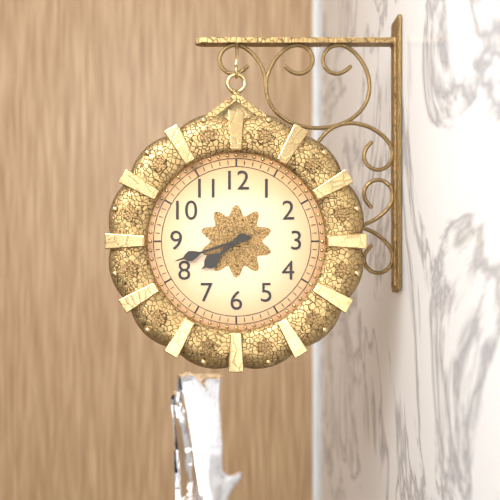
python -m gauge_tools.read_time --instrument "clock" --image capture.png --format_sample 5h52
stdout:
7h42
